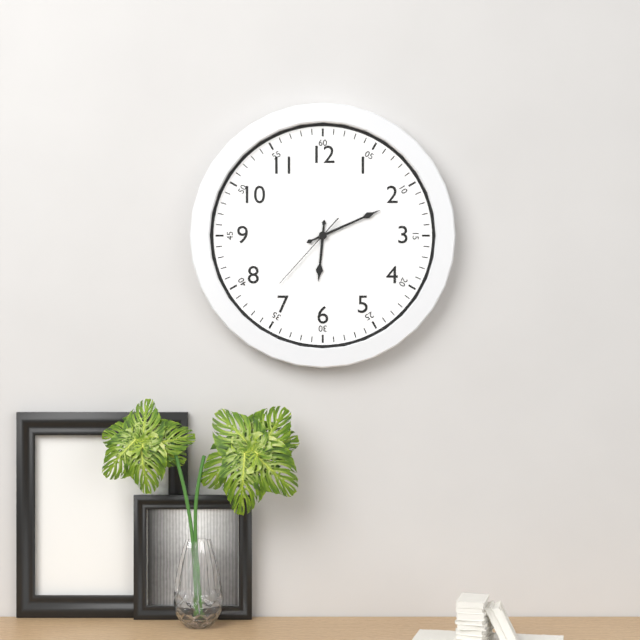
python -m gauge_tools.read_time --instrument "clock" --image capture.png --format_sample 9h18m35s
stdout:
6h11m37s
